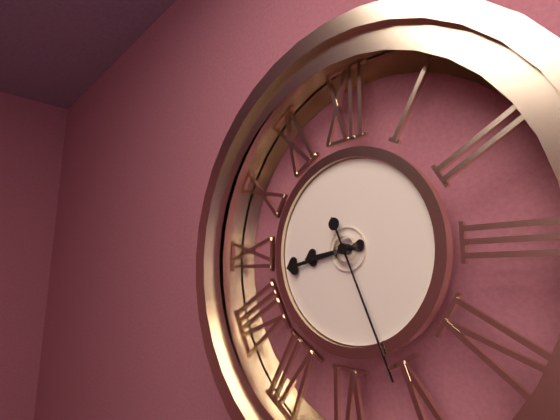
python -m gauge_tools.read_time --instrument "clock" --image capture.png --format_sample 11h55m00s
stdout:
8h43m26s
